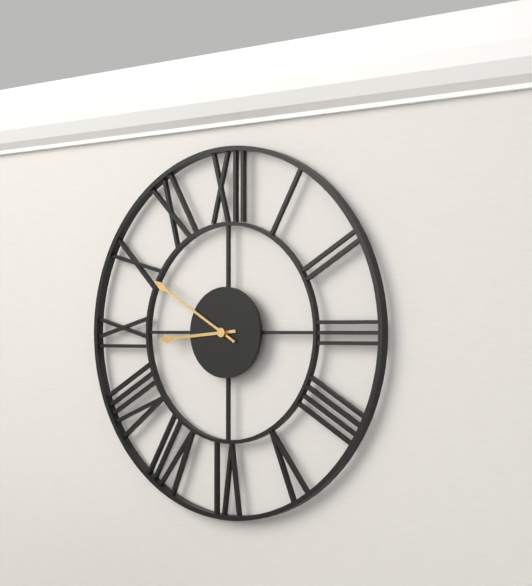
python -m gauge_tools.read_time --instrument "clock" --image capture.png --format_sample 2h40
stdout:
8h50
